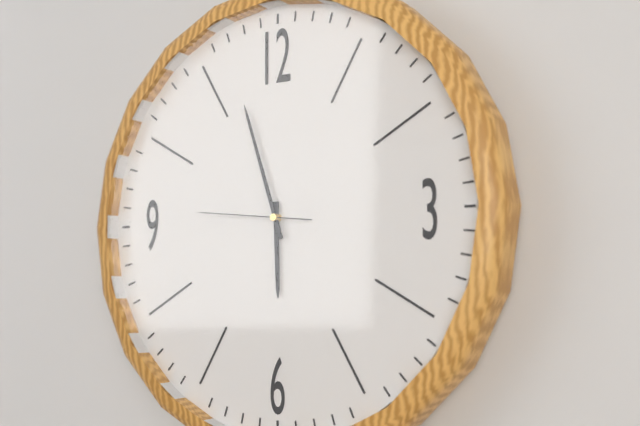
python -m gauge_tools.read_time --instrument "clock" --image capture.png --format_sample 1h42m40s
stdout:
5h57m46s
